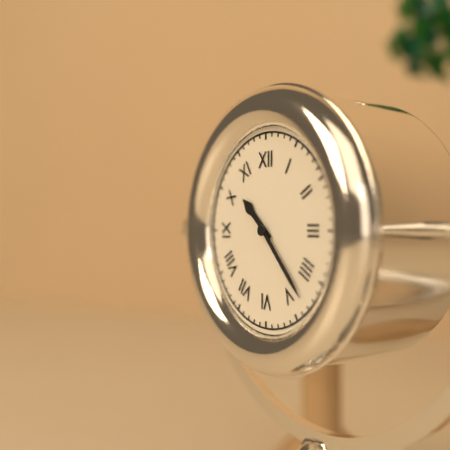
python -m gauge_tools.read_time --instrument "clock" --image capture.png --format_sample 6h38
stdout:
10h23
